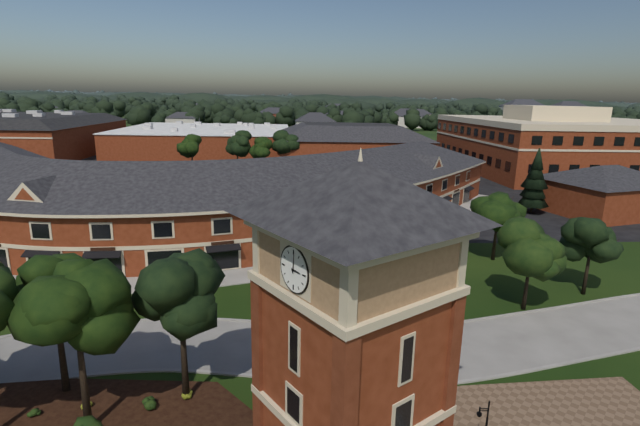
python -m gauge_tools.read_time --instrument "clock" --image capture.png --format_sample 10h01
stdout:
3h01
